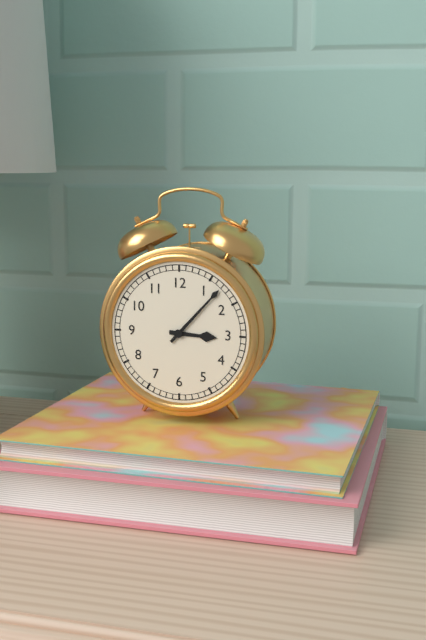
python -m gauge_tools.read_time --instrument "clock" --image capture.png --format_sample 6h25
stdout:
3h07
